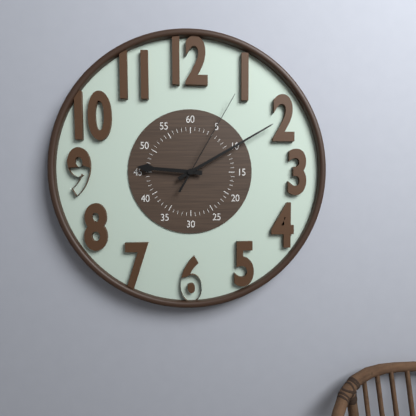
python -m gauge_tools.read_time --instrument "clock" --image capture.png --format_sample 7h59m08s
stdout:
9h10m05s
